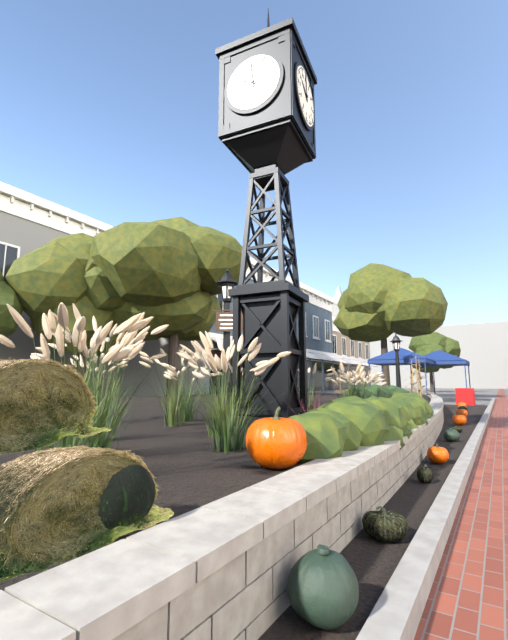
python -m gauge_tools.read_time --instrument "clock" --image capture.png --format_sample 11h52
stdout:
9h59
